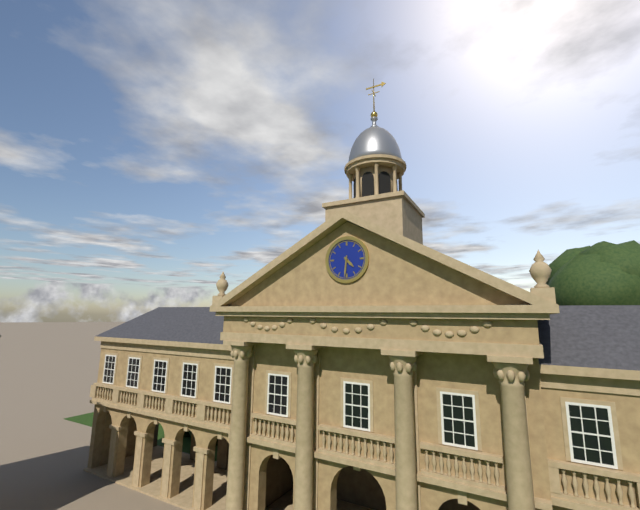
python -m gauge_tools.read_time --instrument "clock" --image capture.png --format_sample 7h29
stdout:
4h31
